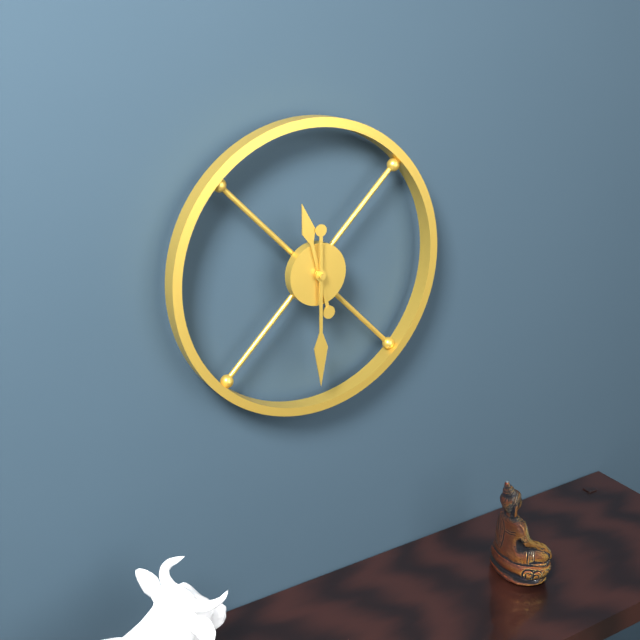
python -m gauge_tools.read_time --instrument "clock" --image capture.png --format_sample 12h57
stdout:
11h30
